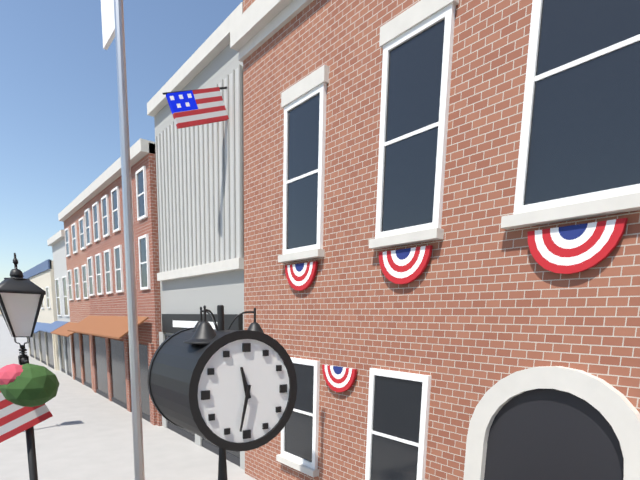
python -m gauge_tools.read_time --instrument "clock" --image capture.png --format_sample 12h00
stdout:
11h32
